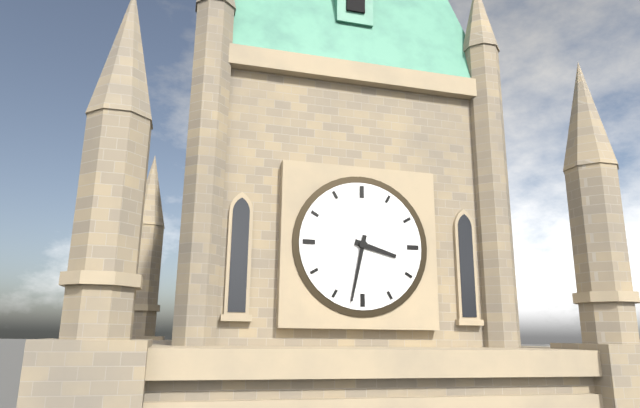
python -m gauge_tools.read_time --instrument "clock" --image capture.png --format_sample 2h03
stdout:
3h32
